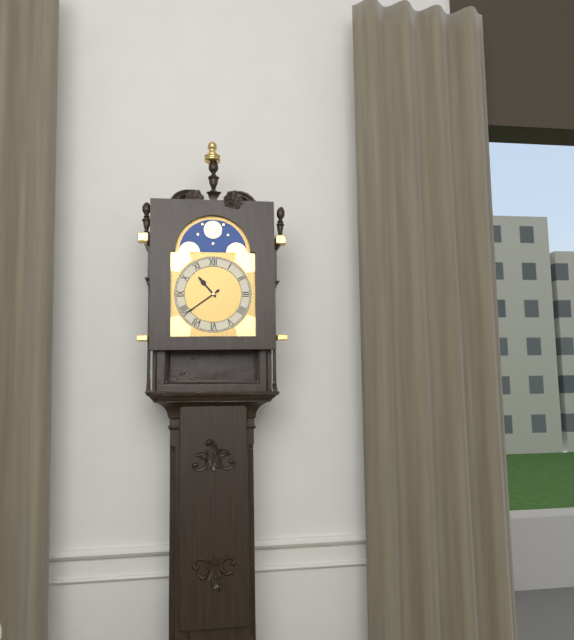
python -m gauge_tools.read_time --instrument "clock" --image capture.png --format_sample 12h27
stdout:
10h39
